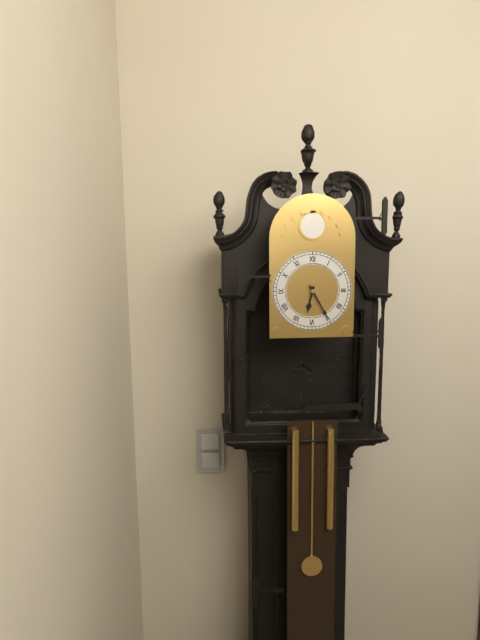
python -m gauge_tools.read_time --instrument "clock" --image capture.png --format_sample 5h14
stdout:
6h25
